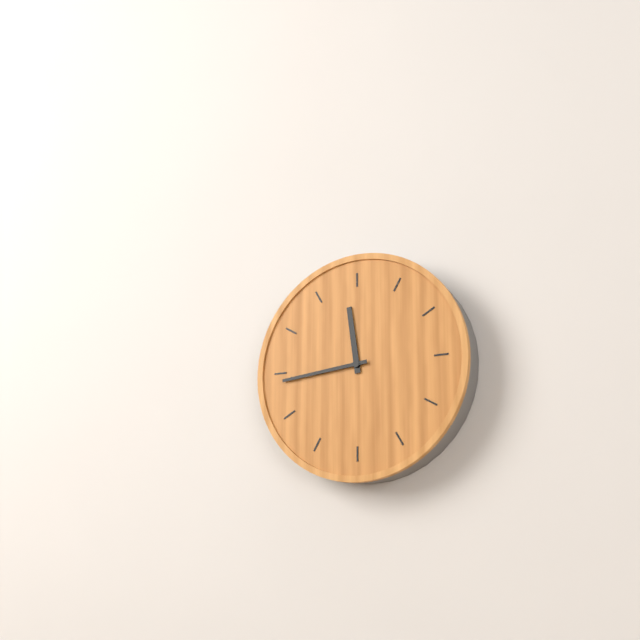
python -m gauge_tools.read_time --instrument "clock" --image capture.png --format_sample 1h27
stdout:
11h44
